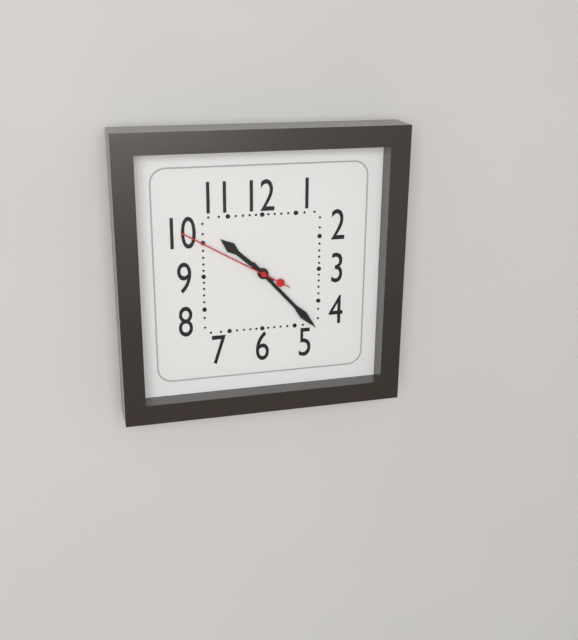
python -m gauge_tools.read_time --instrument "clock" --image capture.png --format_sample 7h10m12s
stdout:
10h23m50s
